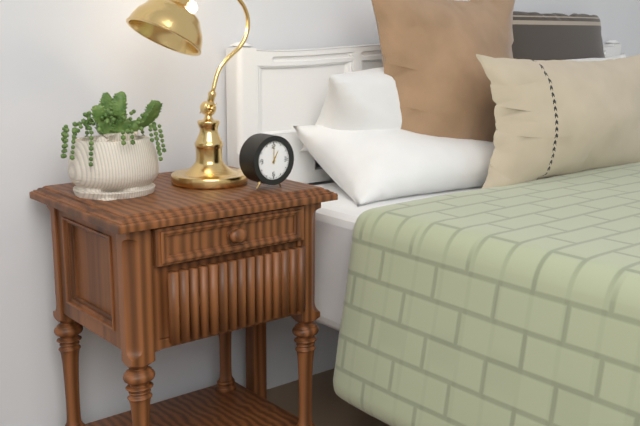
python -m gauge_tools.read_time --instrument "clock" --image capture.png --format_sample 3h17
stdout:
1h00
